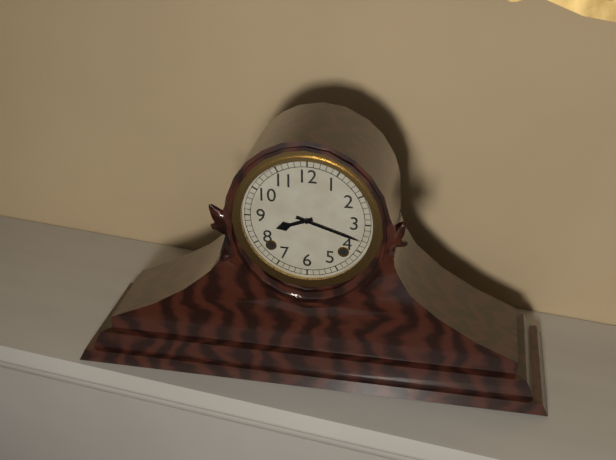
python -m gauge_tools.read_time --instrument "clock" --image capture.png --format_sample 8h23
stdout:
8h18
